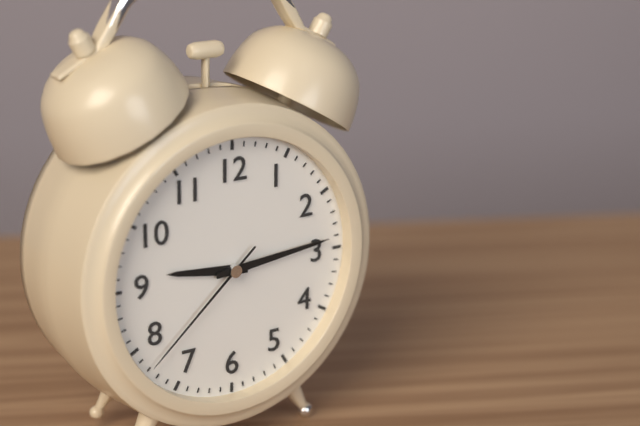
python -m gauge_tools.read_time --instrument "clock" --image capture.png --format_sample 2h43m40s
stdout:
9h14m38s
